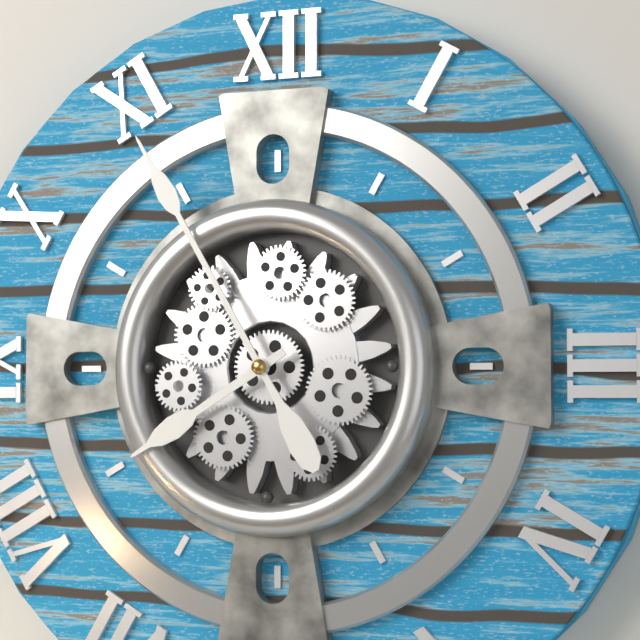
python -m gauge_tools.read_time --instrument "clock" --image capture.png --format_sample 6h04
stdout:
7h55
